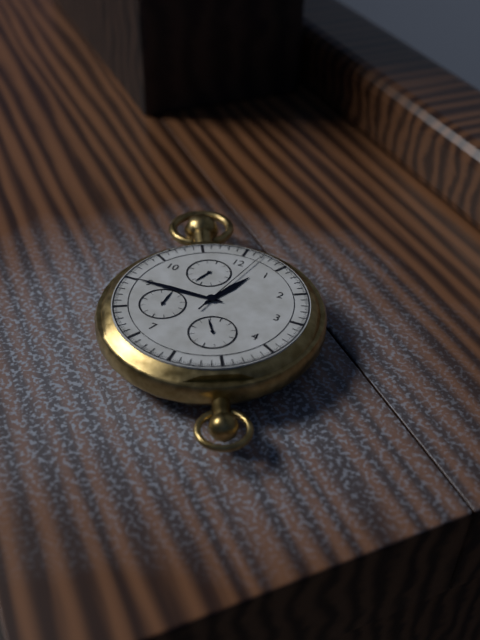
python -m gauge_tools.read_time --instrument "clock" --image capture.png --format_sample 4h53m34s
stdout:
12h45m02s
